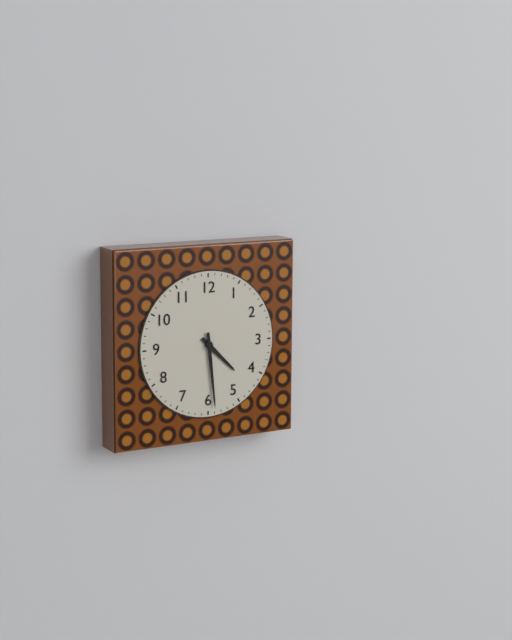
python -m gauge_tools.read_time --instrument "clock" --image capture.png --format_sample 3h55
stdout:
4h29
